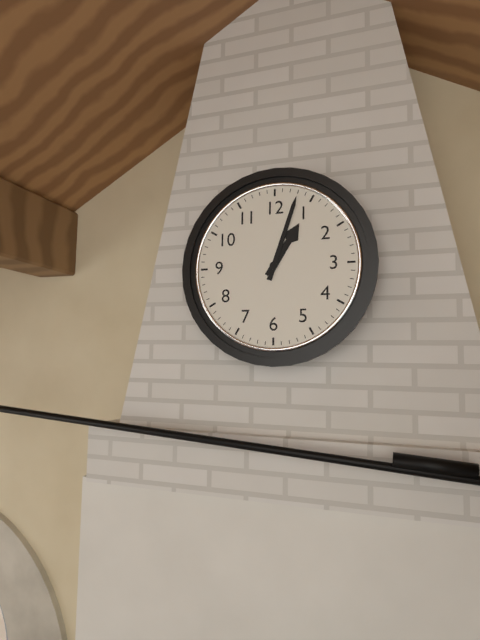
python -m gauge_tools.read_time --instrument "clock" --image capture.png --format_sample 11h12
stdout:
1h03
